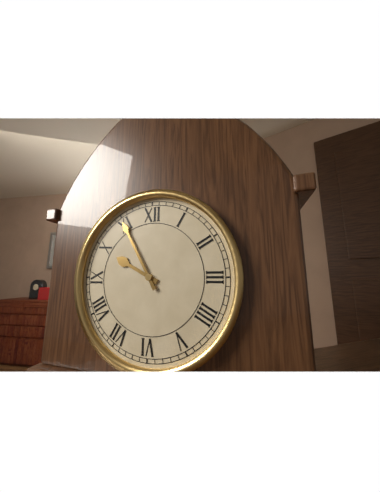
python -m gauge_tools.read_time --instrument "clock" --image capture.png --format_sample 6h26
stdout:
9h55
